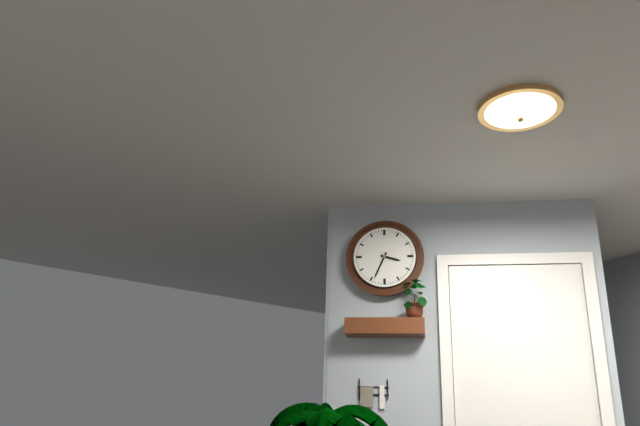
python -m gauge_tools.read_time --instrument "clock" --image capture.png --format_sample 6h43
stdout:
3h34
